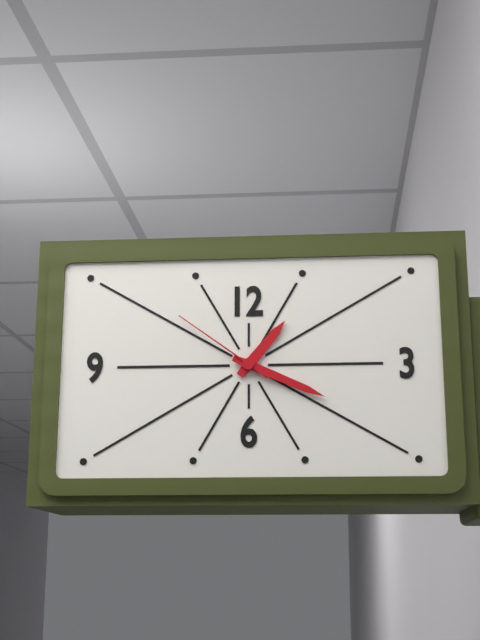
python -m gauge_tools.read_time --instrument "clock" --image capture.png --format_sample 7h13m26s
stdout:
1h19m51s
